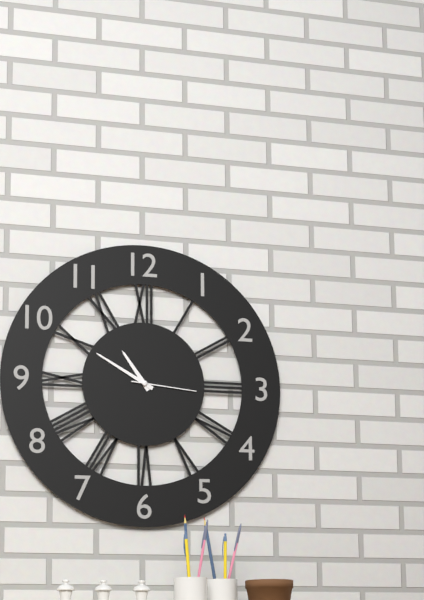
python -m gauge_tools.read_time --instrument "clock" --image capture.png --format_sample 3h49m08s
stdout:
10h50m16s
